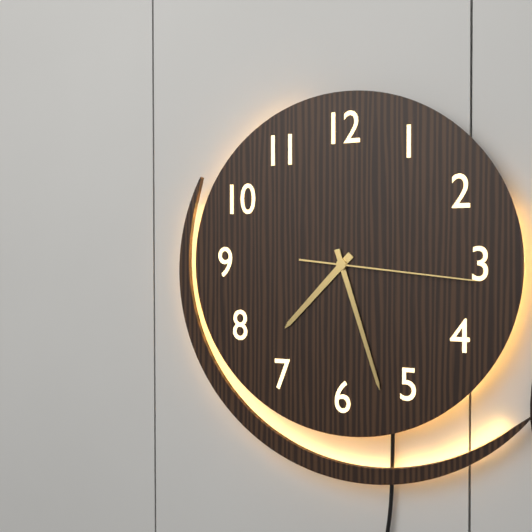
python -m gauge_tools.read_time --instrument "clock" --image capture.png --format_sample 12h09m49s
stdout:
7h27m16s
